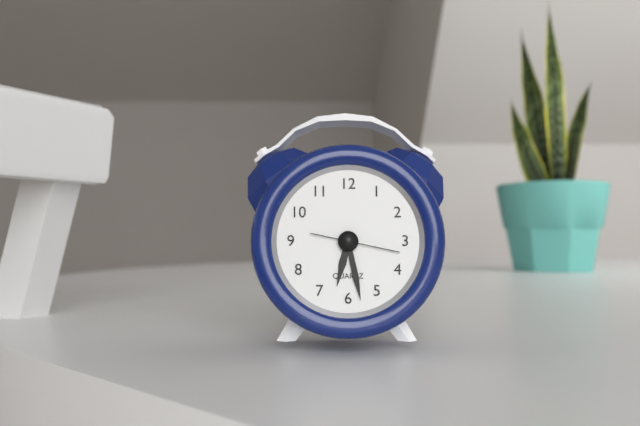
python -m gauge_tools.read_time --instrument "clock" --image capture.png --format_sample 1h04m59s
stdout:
6h28m17s
